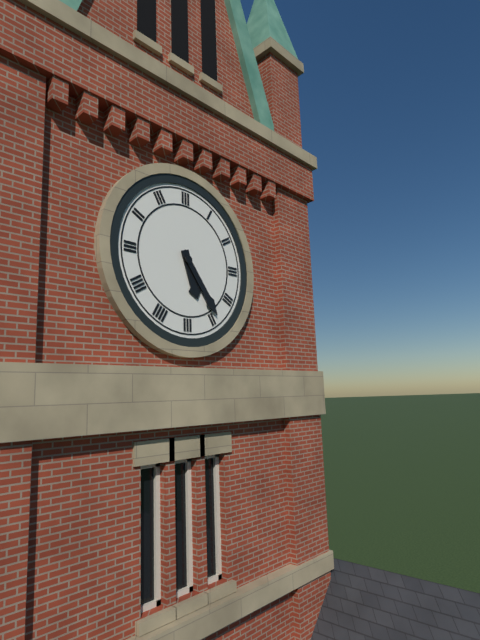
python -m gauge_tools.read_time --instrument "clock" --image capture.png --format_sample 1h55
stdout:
5h24
